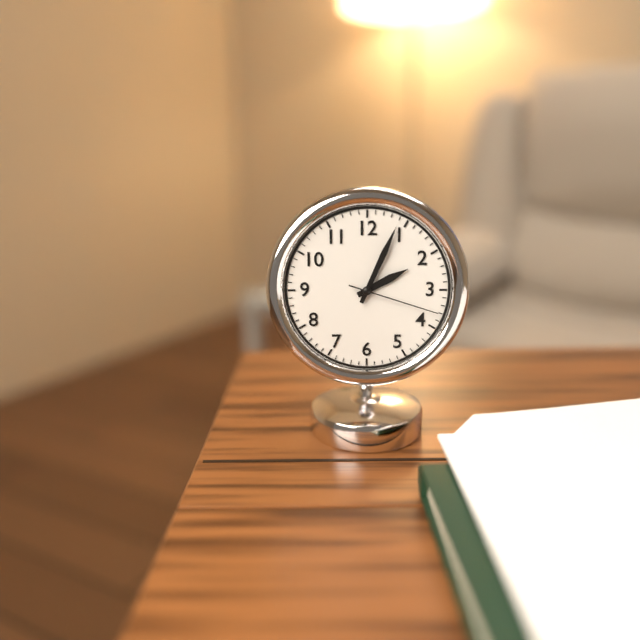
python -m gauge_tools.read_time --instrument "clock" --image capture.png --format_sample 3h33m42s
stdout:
2h04m18s
